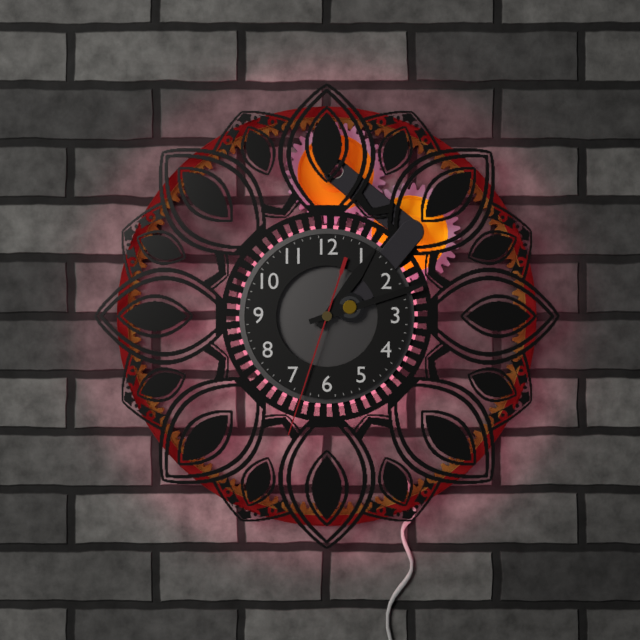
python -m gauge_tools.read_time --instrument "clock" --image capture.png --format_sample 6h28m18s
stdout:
1h12m33s
